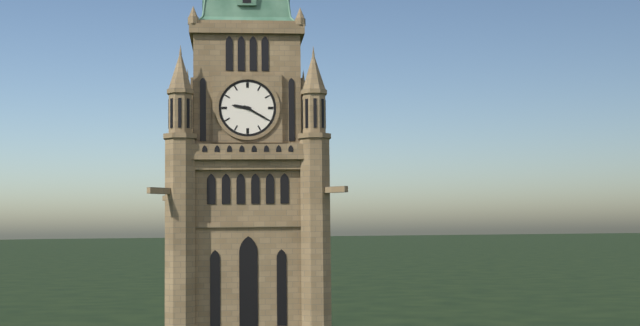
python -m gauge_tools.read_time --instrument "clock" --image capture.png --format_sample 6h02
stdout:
9h20
